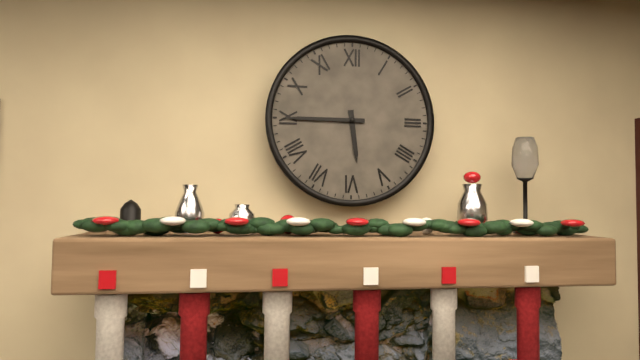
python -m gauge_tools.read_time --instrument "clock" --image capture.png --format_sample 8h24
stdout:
5h45
